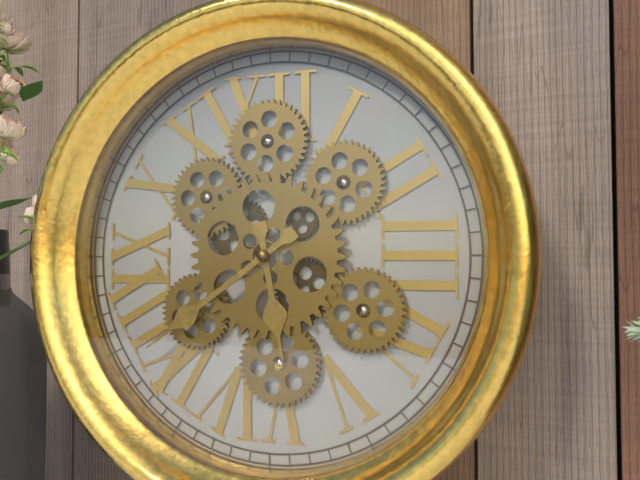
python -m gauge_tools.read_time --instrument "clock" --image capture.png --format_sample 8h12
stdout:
5h39
